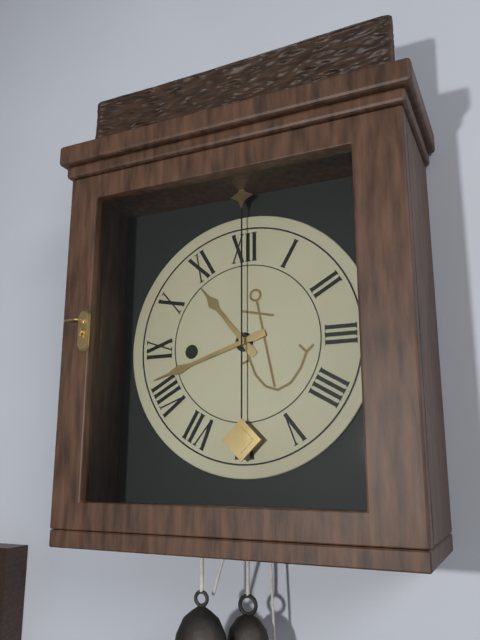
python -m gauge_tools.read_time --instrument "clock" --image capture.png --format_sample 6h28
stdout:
10h42
